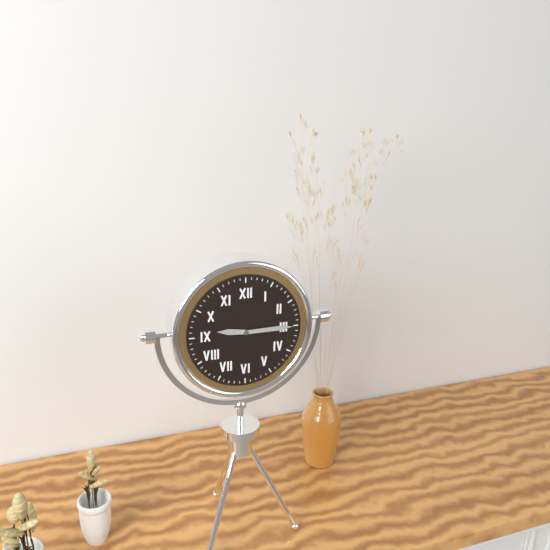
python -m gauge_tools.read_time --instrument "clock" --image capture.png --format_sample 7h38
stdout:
9h15
